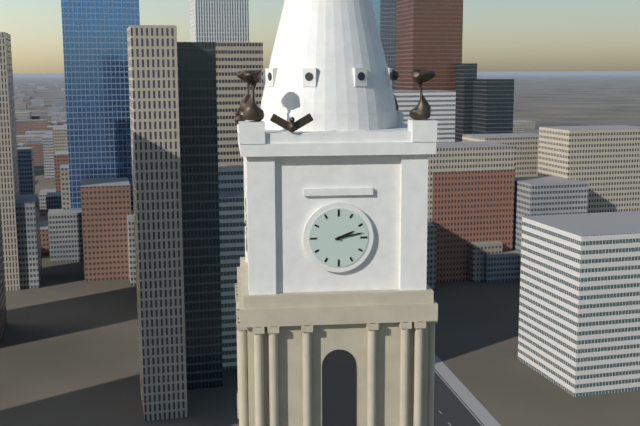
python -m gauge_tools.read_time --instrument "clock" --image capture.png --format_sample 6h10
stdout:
2h13
